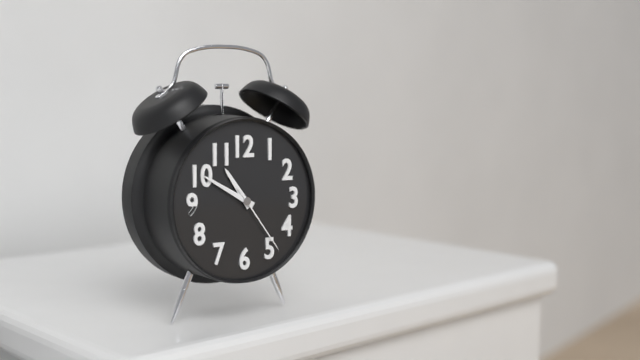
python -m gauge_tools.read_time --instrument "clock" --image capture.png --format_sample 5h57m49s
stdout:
10h50m24s
